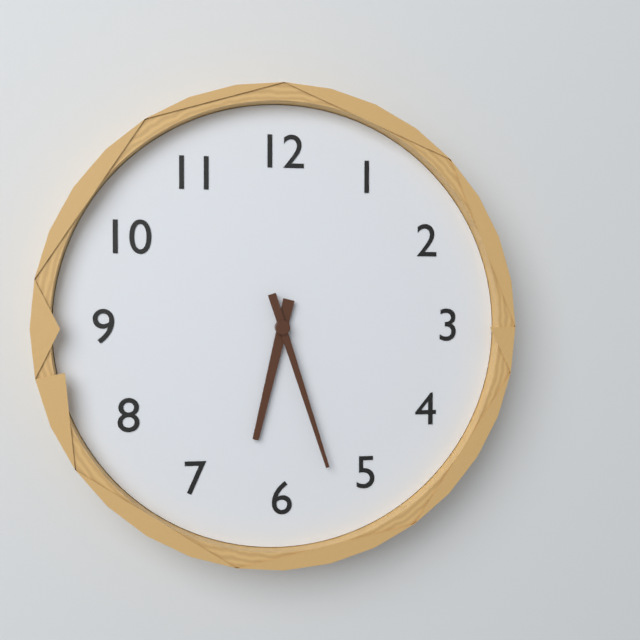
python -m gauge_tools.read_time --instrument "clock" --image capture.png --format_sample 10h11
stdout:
6h27
